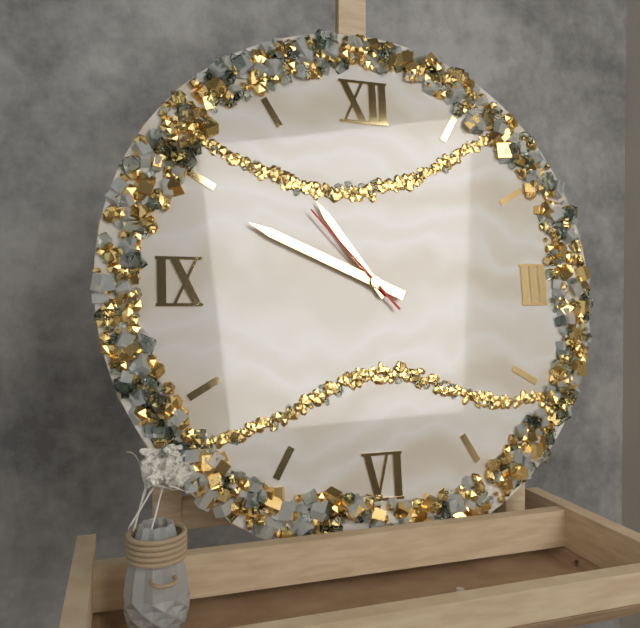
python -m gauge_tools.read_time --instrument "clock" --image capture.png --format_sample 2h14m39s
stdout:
10h49m53s
